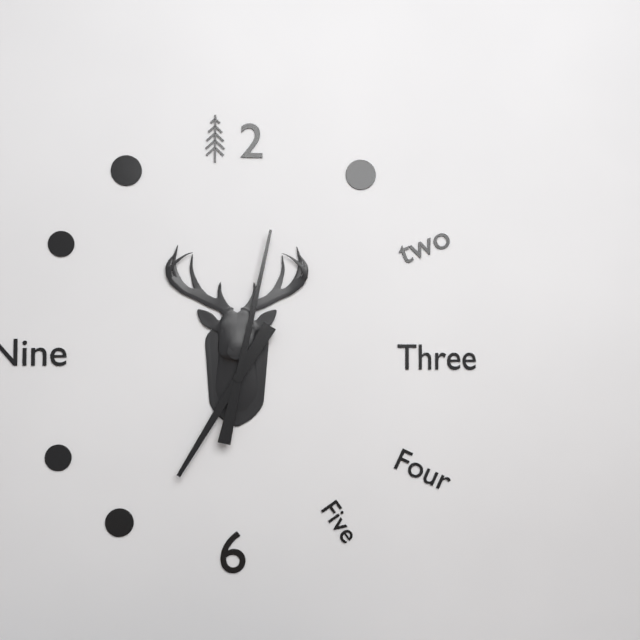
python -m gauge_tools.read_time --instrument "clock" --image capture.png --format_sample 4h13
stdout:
7h02
